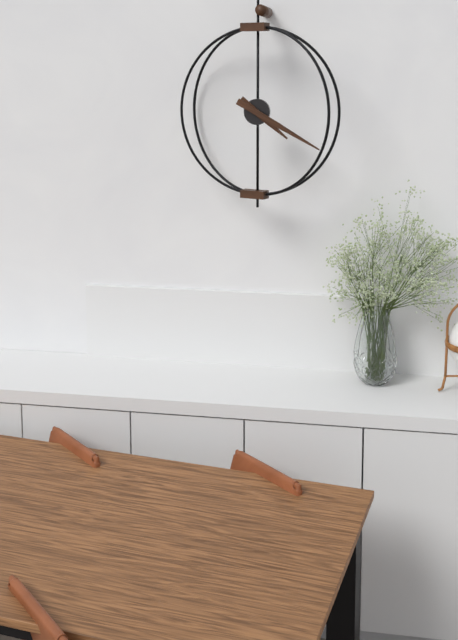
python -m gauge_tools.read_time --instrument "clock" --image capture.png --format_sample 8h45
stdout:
4h20
